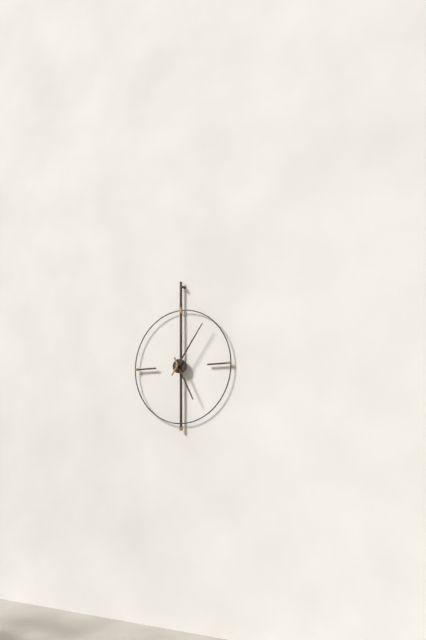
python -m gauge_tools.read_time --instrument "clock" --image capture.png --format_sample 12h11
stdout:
5h06
